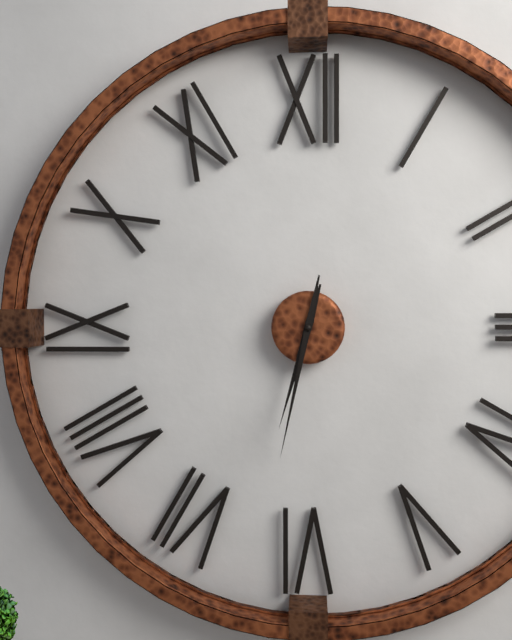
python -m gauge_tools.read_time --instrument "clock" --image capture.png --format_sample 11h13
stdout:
6h32
